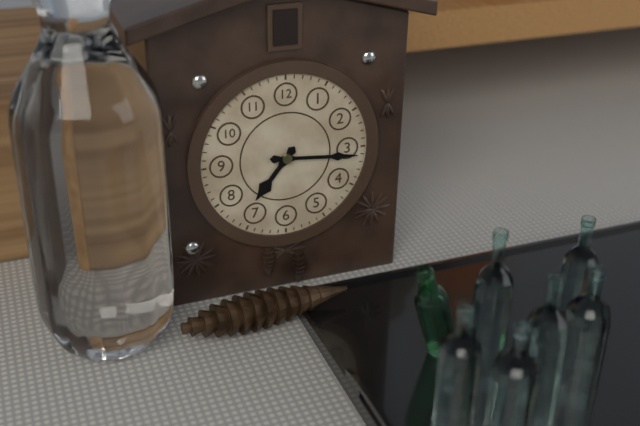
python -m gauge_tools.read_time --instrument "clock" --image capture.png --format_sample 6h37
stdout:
7h16
